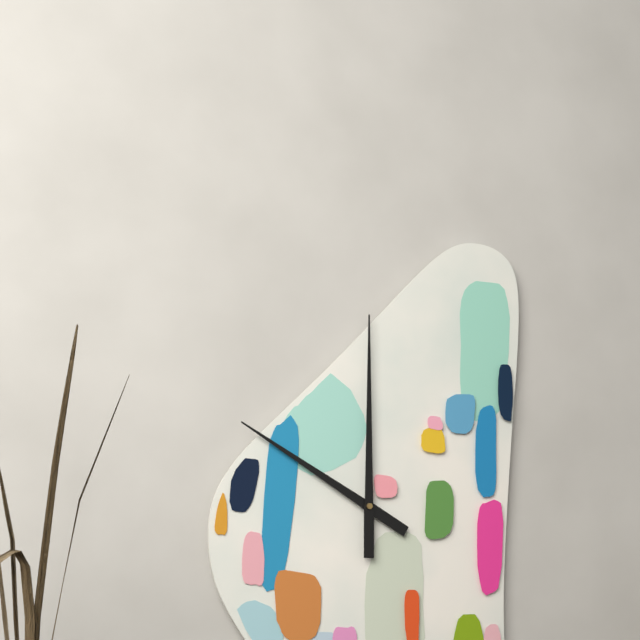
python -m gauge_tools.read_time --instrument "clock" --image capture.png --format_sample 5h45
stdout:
10h00
